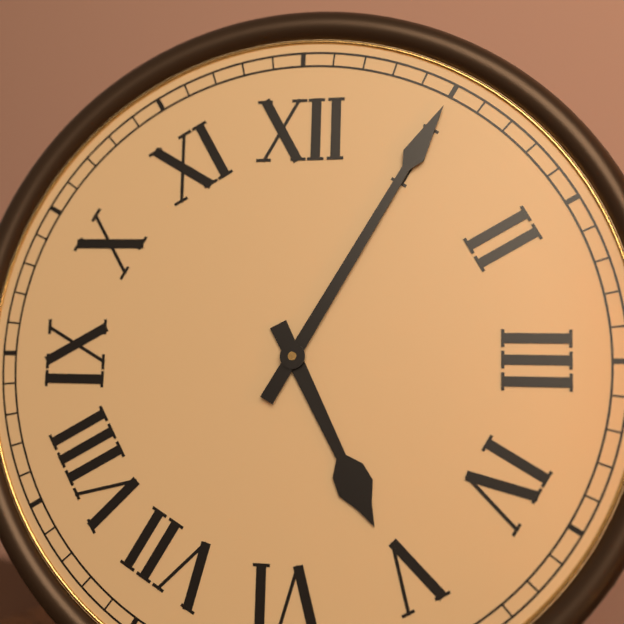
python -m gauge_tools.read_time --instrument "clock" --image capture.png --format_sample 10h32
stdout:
5h05
